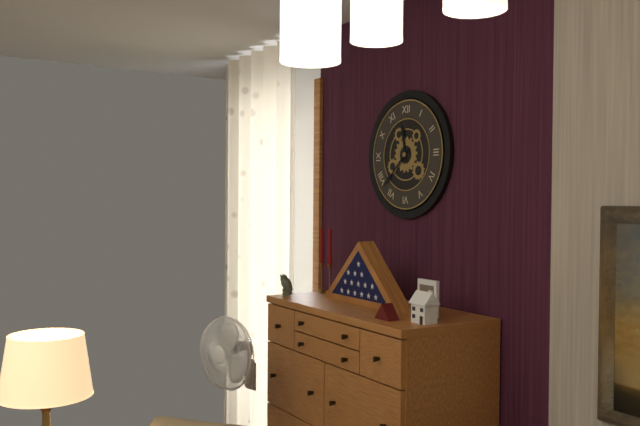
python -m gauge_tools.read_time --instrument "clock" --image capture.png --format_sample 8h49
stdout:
11h38
